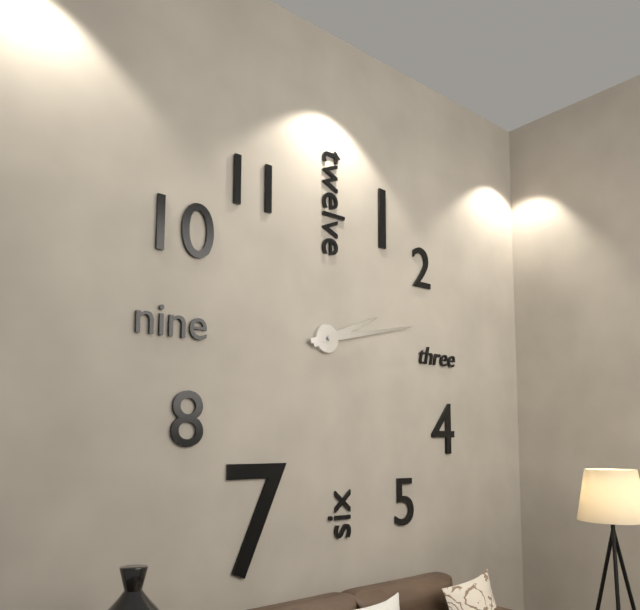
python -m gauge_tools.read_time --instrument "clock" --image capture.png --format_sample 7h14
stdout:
2h13
